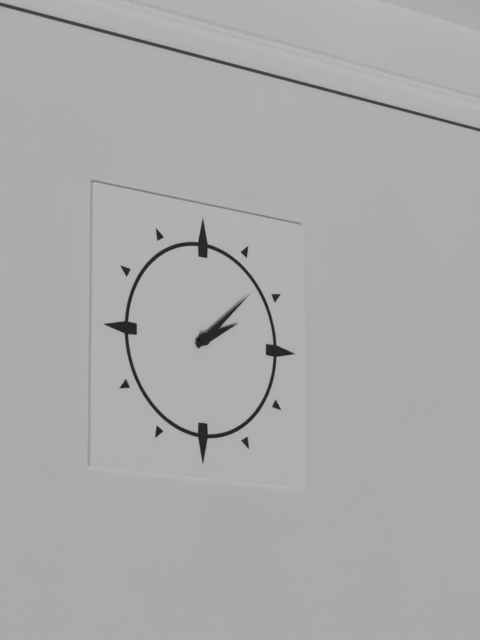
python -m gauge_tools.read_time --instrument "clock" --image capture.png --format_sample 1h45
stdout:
2h08
